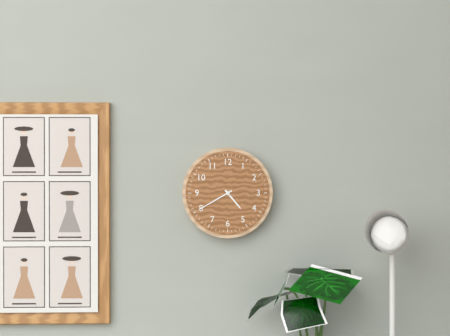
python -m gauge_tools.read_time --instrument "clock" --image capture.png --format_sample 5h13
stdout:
4h40
